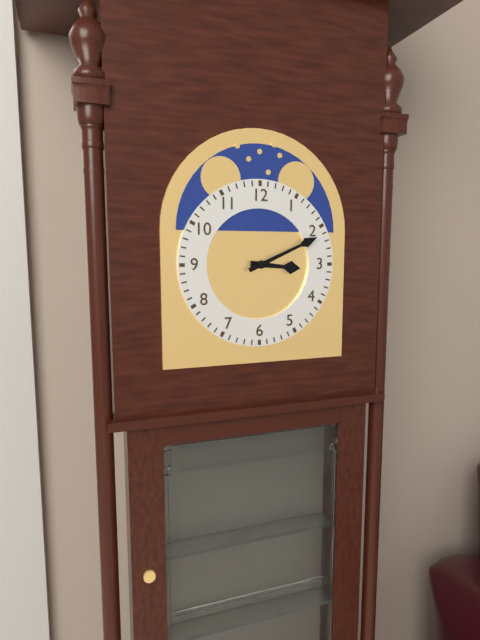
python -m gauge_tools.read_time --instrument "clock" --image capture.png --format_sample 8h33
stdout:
3h11
